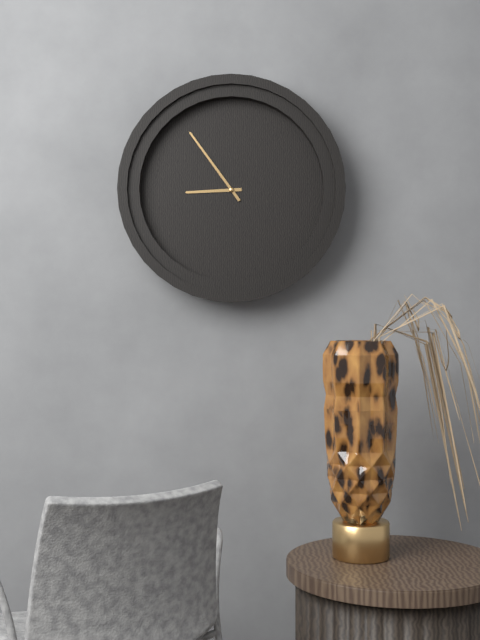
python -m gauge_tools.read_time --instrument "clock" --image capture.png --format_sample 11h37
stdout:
8h54
